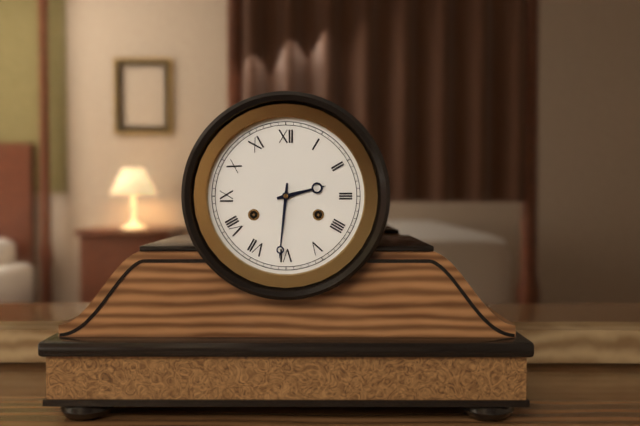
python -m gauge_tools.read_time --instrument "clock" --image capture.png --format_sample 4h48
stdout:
2h31
